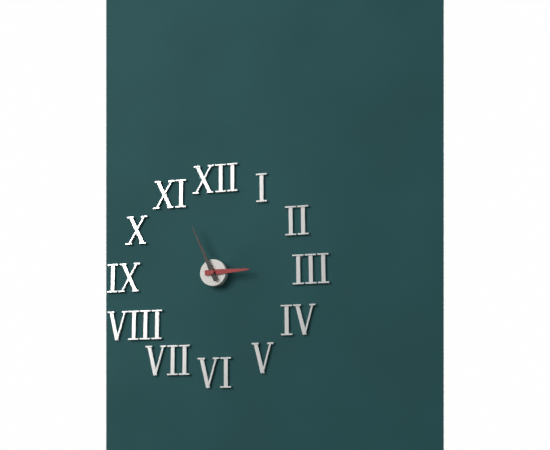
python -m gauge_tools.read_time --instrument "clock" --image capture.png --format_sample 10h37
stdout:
2h56
